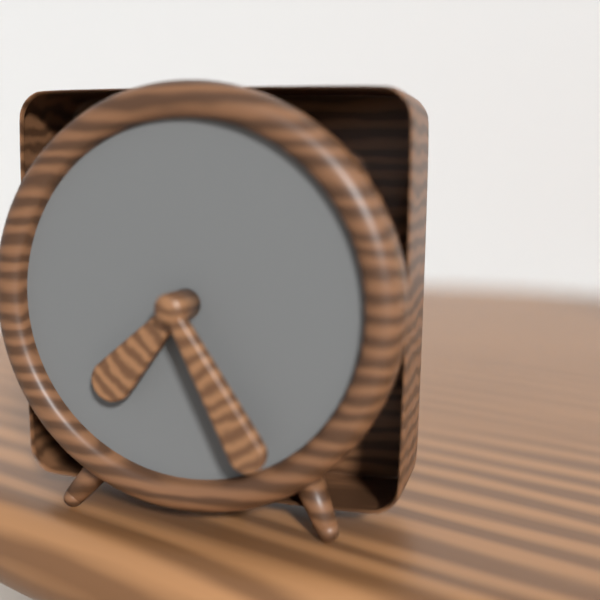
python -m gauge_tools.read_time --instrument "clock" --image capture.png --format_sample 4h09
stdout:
7h25
